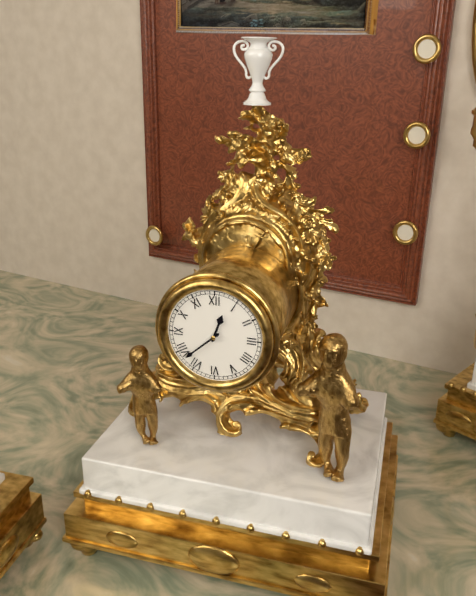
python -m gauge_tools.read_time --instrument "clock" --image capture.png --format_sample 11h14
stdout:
12h38
